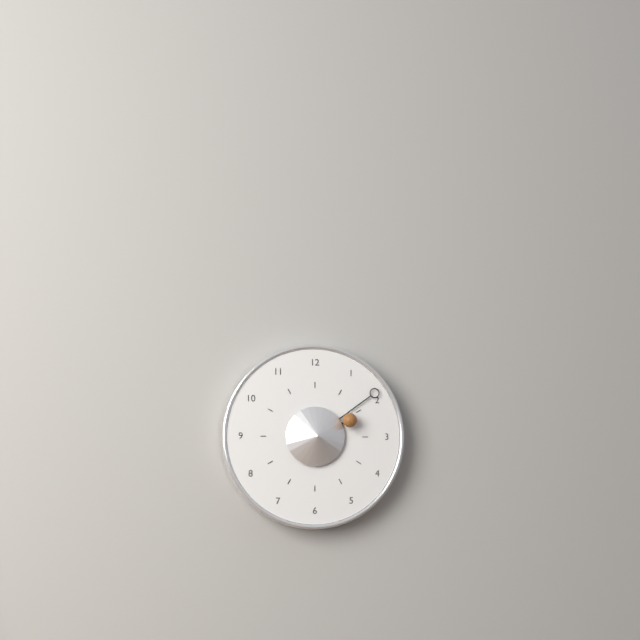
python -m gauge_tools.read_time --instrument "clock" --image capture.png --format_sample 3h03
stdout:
2h09
